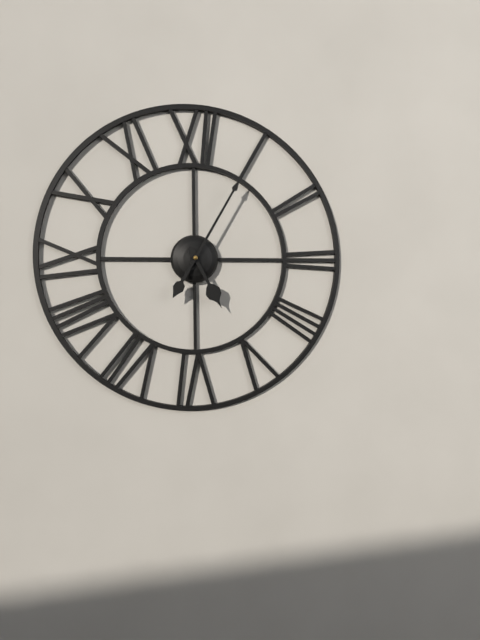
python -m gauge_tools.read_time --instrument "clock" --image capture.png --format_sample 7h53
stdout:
5h05
